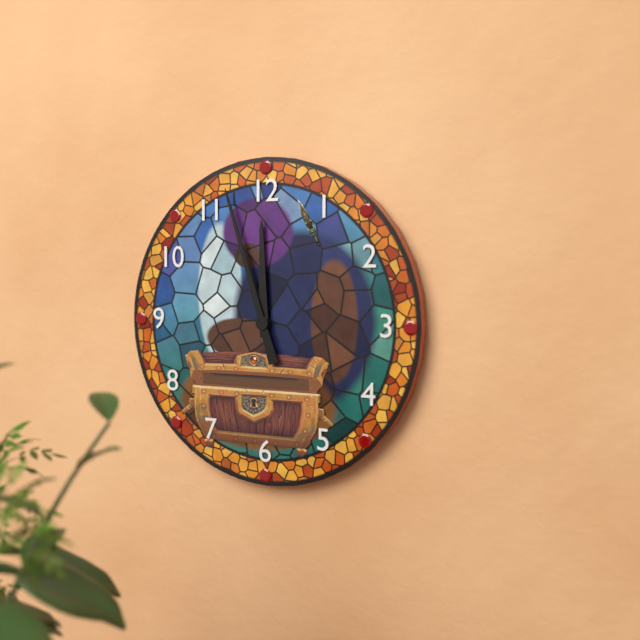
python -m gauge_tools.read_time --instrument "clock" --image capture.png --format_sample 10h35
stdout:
11h57
